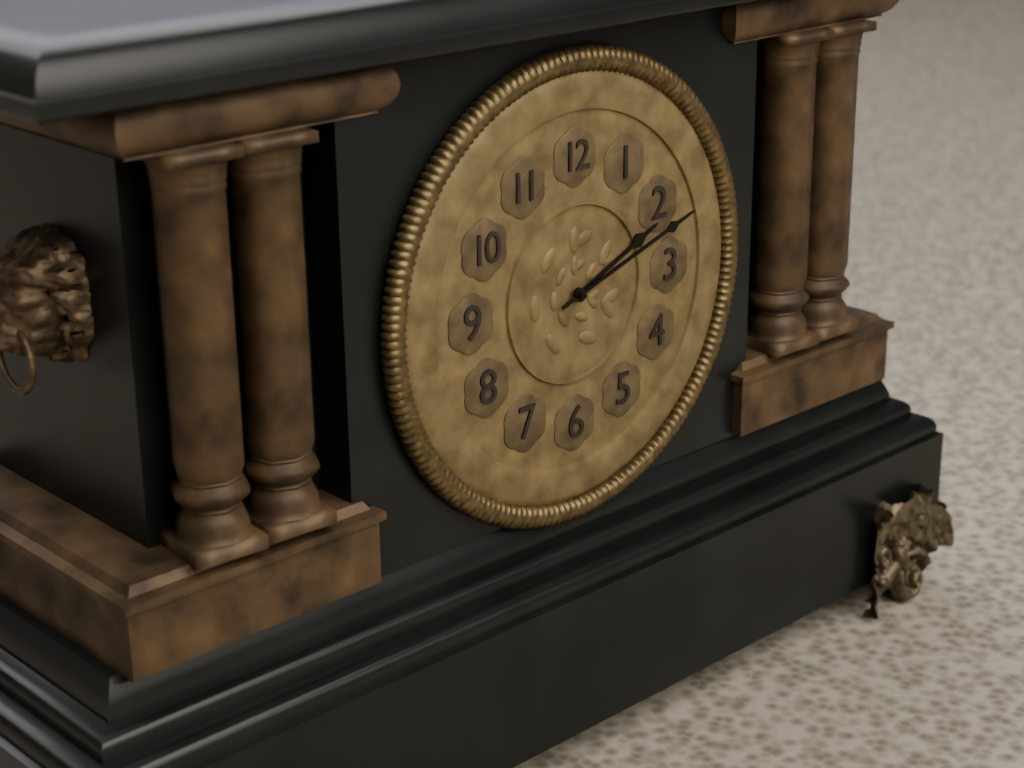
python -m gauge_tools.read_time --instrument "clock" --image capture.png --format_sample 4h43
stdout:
2h12
